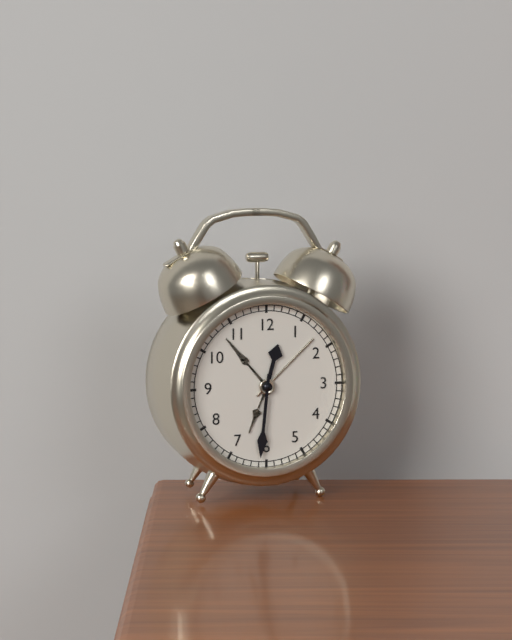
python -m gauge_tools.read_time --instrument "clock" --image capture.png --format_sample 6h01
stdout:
12h31
